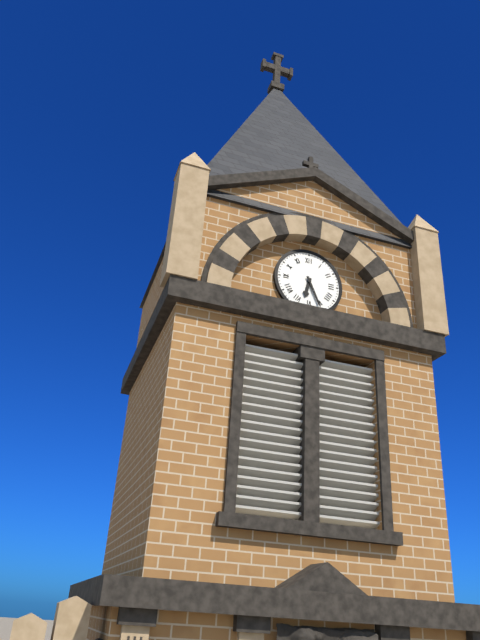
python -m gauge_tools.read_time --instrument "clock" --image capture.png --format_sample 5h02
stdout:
6h26
